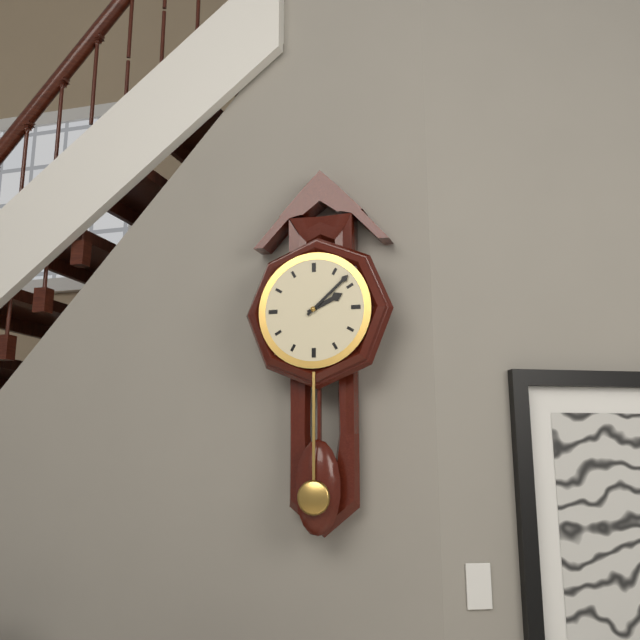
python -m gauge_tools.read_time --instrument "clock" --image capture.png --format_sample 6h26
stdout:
2h08
